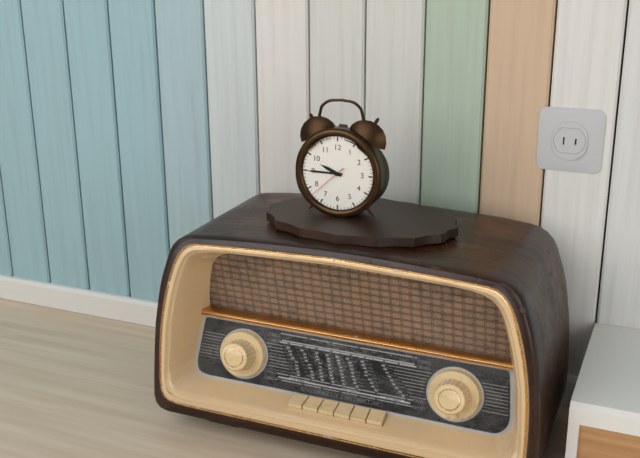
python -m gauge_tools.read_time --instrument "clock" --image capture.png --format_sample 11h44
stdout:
9h45
